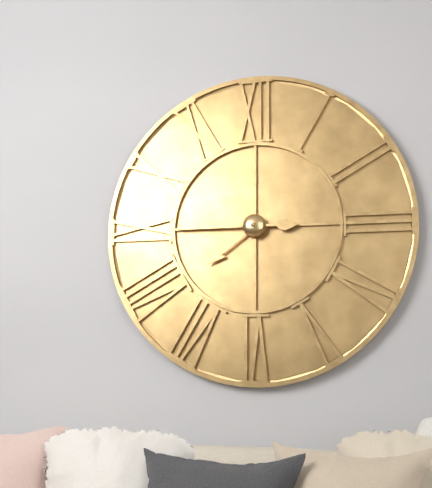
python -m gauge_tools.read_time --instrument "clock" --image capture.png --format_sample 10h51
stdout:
7h45
